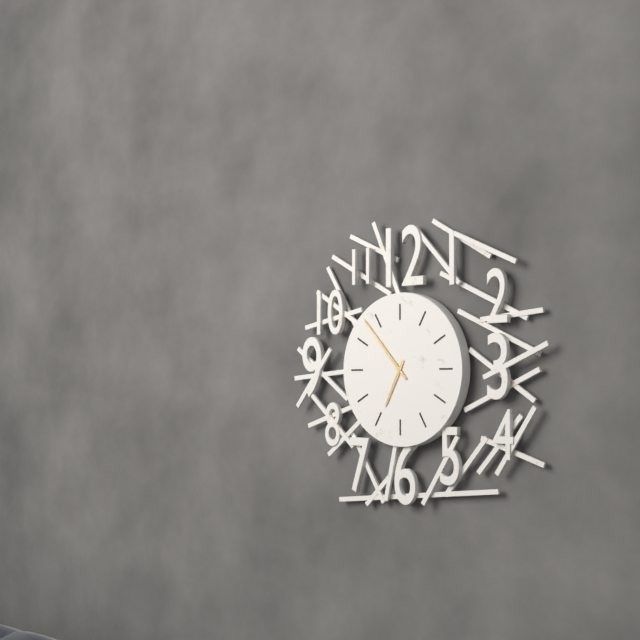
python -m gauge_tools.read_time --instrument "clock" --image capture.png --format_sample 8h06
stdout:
6h53
